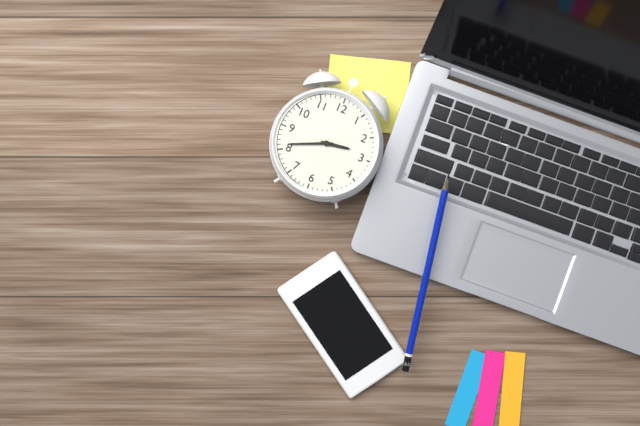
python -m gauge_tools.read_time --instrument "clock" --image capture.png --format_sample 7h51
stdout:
2h41
